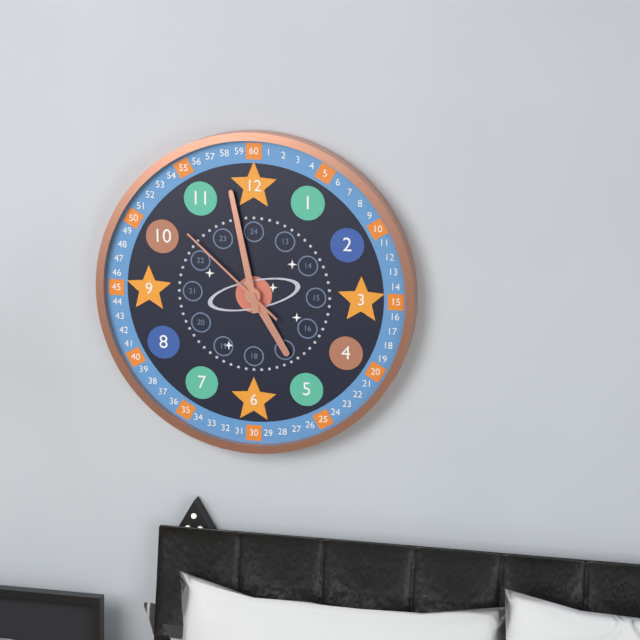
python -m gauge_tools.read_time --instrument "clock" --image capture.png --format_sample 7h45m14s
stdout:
4h58m52s
